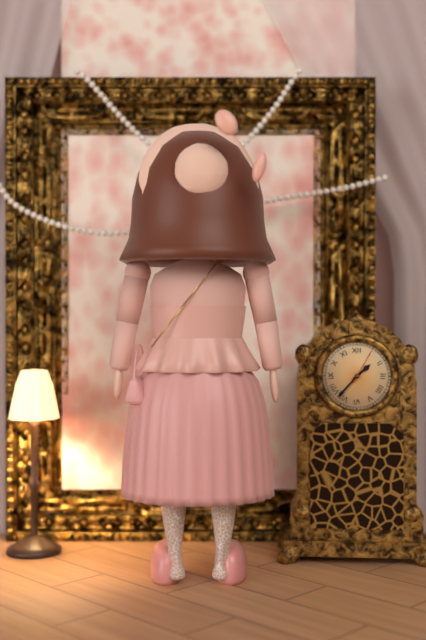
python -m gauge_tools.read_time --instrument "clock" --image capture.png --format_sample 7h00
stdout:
1h37
